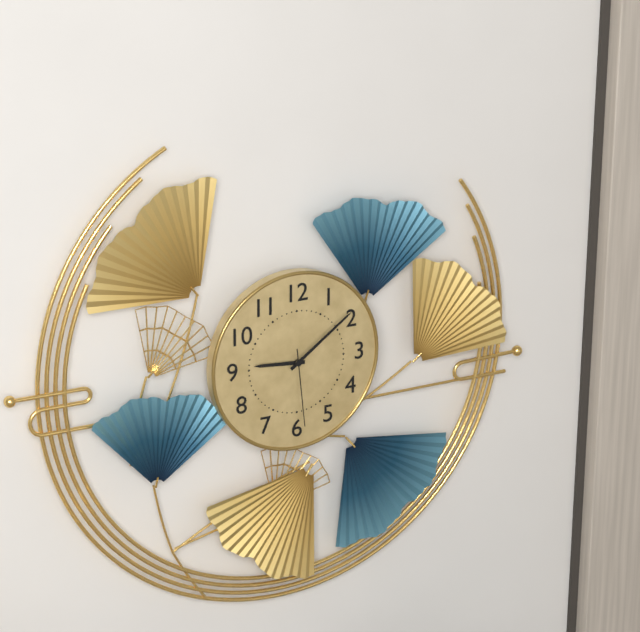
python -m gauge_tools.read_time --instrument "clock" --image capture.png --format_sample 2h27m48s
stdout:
9h09m29s
